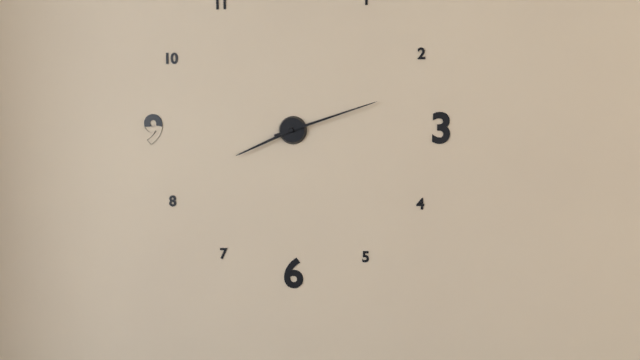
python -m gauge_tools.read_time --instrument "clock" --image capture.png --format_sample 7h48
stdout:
8h12
